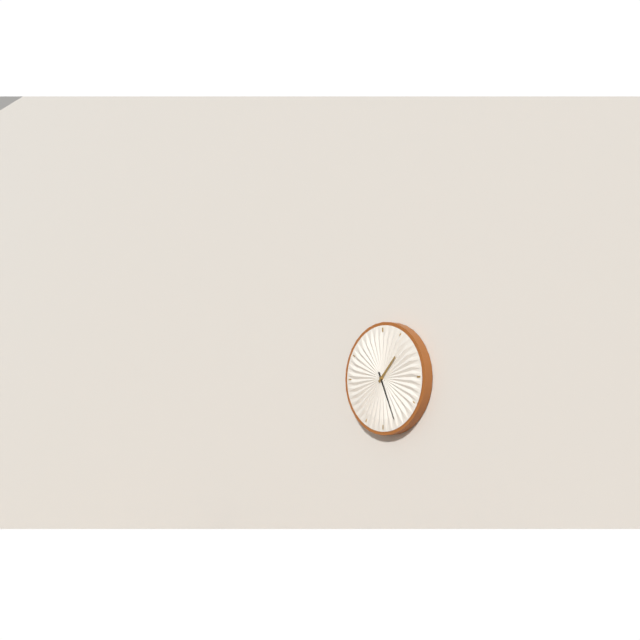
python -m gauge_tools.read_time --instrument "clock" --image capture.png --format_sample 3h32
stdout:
1h26
